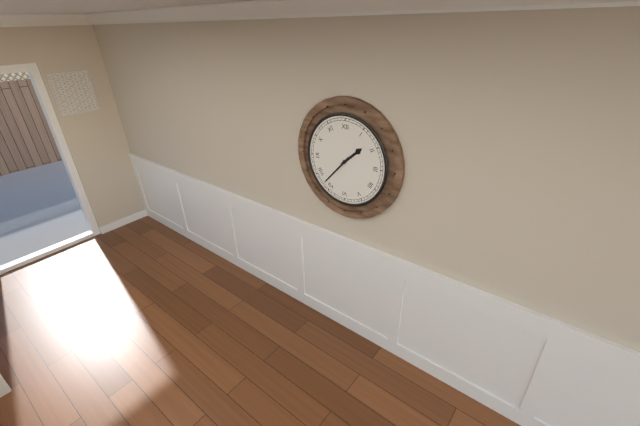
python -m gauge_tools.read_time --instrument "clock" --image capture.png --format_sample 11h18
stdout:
1h37
